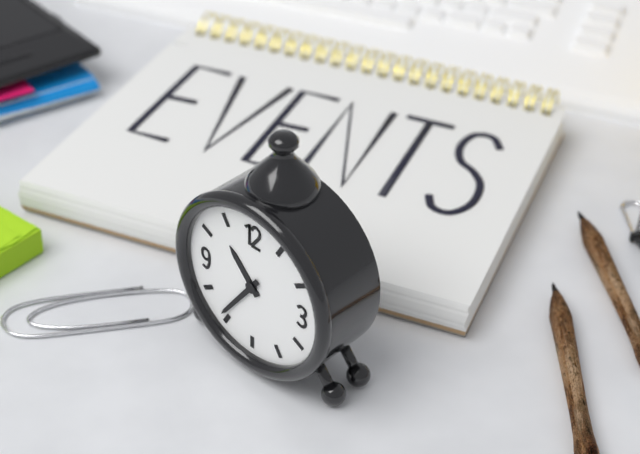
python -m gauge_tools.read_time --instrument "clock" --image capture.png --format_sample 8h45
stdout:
10h36
